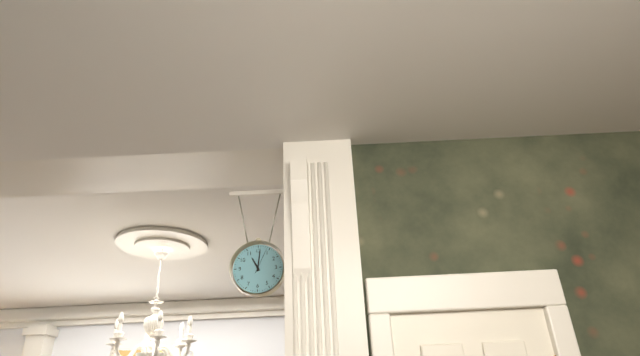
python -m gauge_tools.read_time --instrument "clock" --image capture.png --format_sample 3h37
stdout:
11h01
